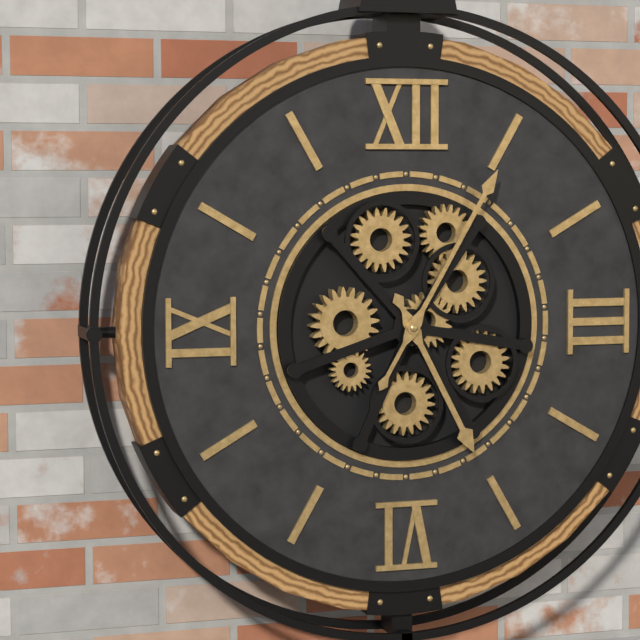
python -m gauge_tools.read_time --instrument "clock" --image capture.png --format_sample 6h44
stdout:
5h05
